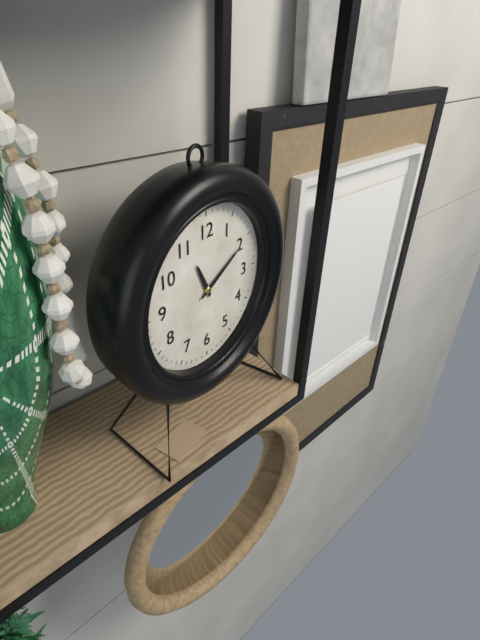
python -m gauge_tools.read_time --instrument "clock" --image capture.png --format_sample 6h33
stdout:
11h10
